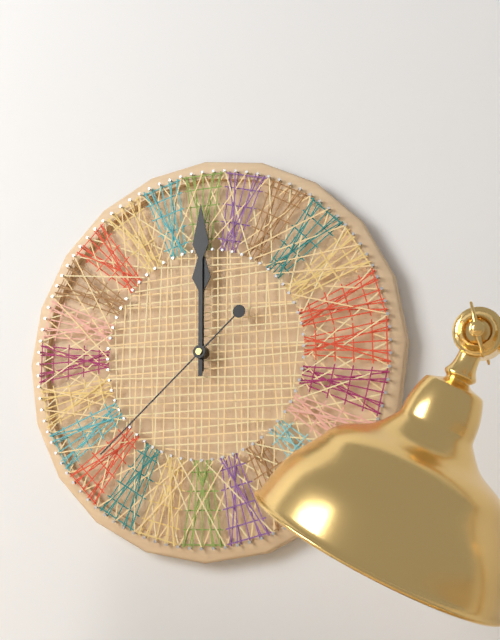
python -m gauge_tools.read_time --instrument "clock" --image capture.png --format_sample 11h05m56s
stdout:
12h00m38s
